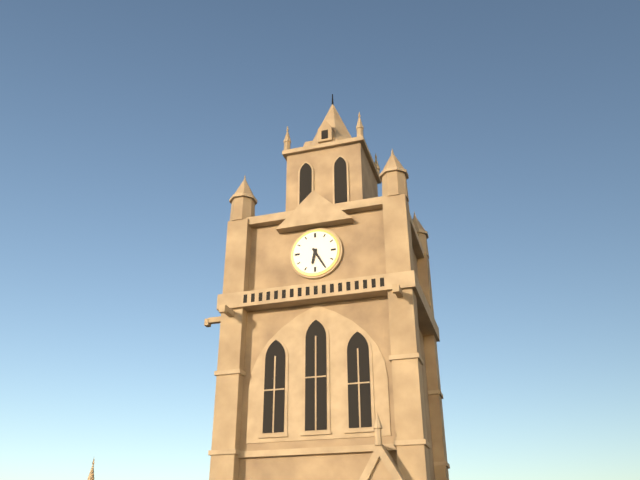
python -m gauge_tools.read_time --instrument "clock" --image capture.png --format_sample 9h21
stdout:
6h25
